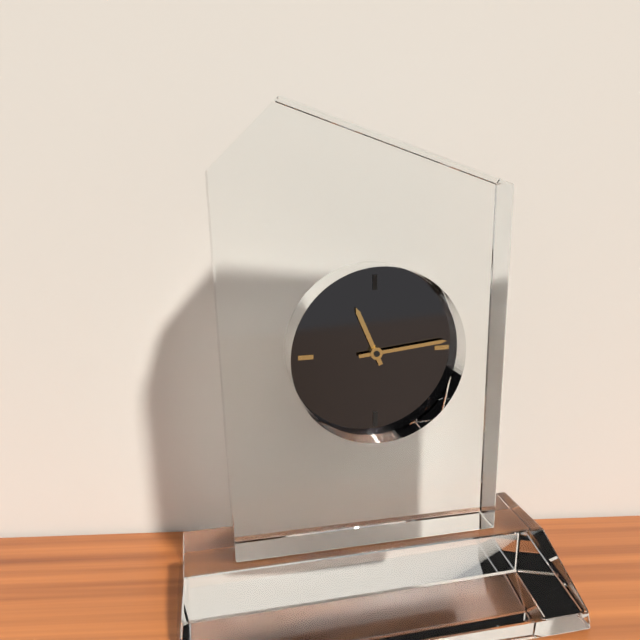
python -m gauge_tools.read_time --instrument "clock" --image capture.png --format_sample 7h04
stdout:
11h14
